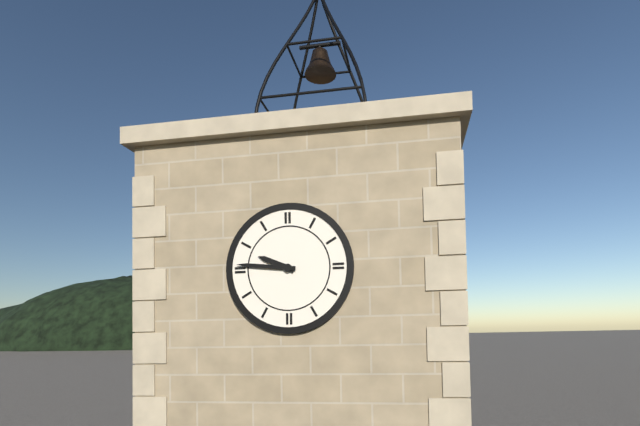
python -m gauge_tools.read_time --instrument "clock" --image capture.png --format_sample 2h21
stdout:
9h46
